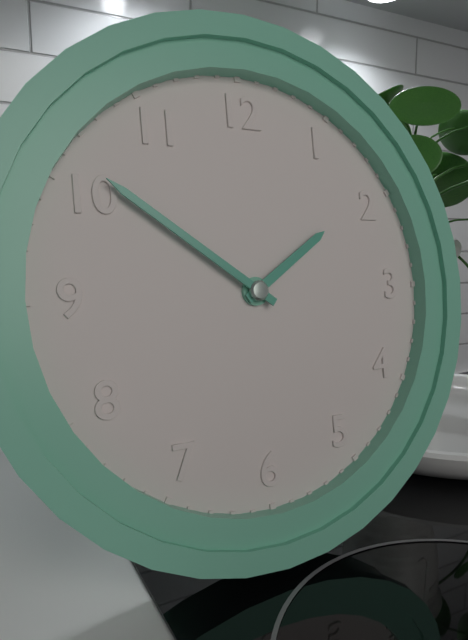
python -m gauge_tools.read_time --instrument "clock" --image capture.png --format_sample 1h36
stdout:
1h51
